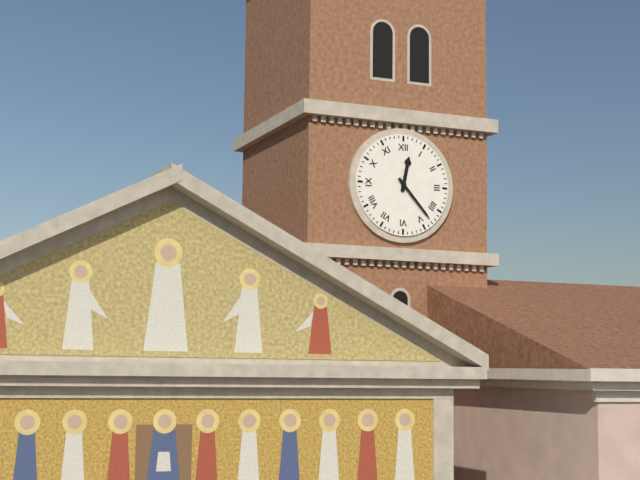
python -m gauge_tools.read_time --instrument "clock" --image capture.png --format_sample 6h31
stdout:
12h23
